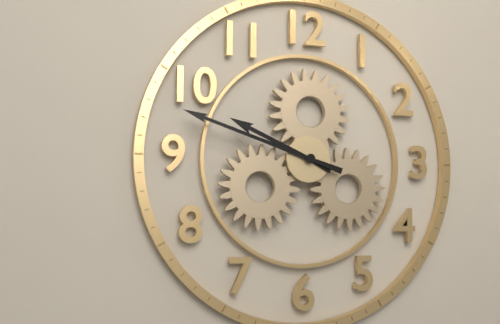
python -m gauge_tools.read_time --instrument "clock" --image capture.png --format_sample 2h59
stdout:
9h48
